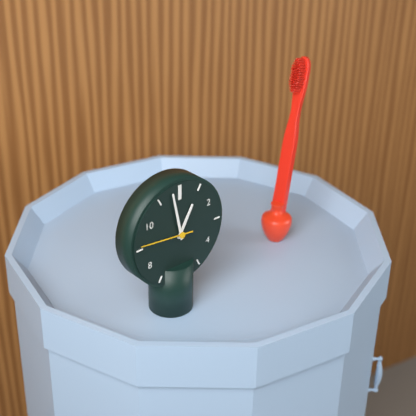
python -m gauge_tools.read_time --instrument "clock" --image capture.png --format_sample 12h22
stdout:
12h58
